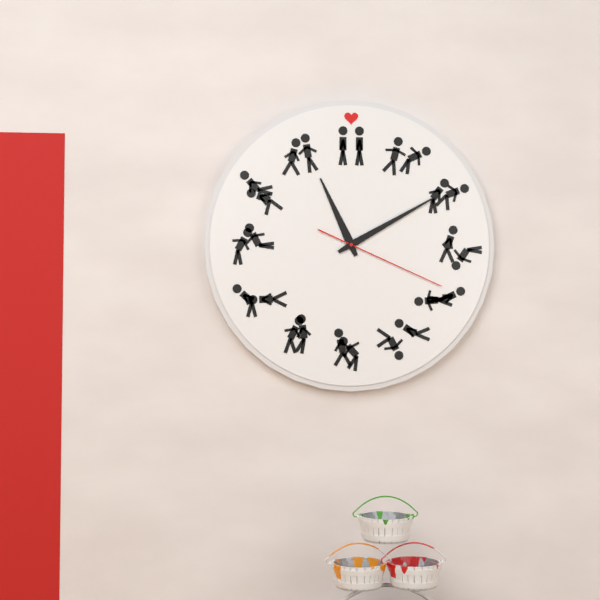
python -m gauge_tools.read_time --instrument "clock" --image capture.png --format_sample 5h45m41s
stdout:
11h10m19s
